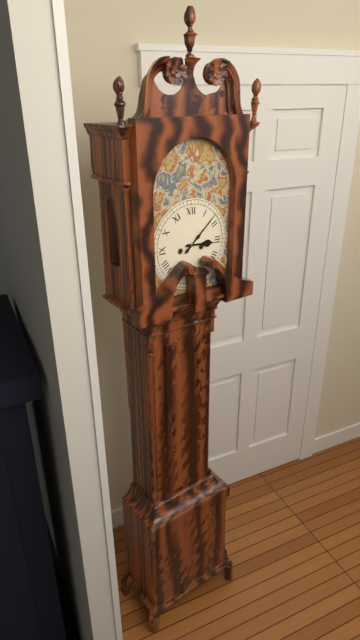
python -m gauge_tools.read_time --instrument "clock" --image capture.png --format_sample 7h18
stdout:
3h08
